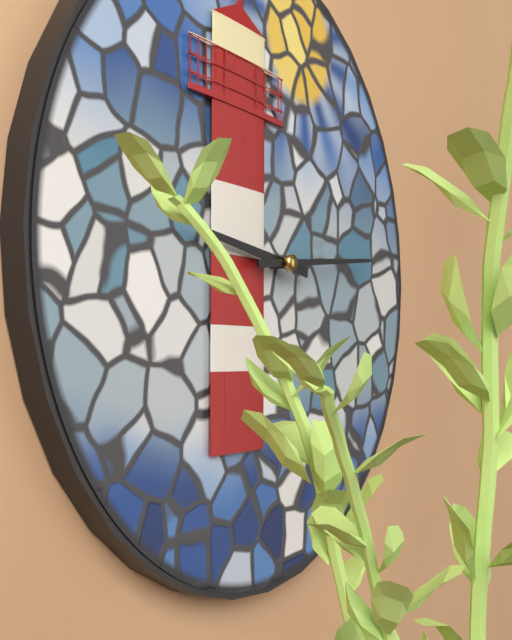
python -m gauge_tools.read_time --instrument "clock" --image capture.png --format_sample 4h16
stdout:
9h14
